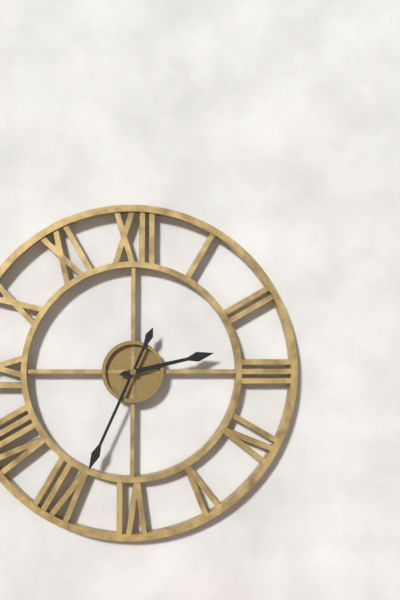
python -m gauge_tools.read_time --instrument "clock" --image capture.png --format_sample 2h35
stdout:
2h34
